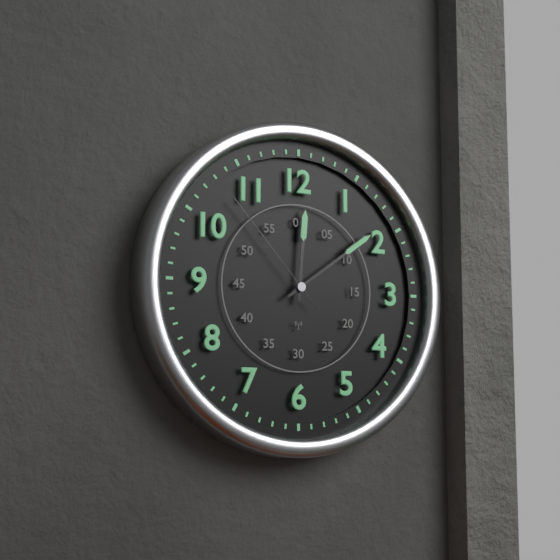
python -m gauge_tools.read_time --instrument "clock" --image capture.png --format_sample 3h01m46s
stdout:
12h09m53s
